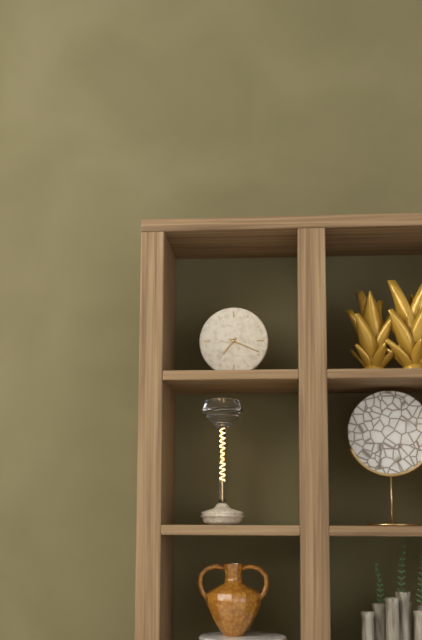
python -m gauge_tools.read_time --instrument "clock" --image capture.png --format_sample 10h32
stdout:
7h19
